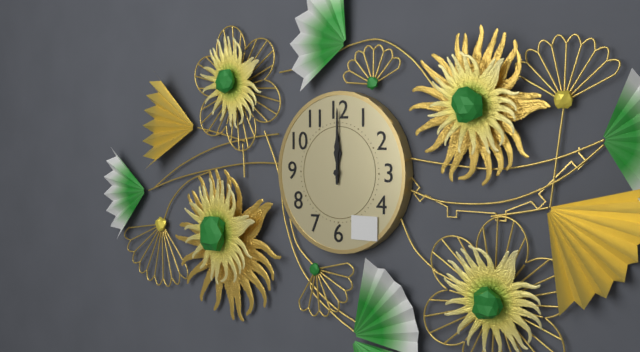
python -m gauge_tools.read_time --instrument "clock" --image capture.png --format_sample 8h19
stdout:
12h00
